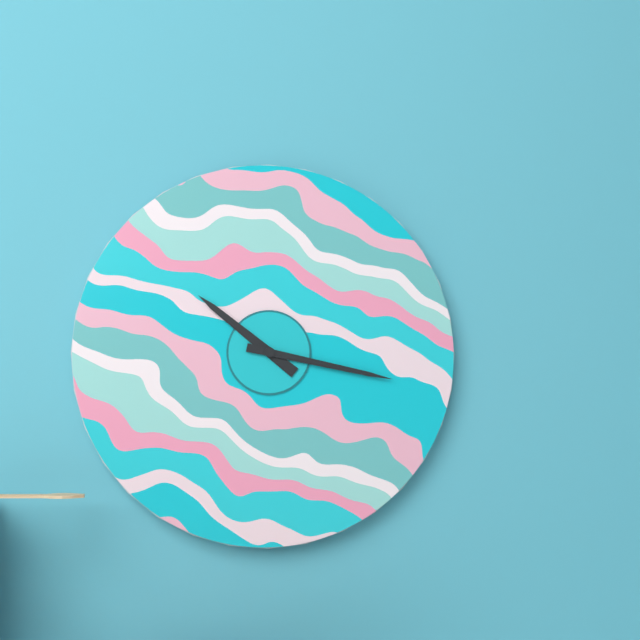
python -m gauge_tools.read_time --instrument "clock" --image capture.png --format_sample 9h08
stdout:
10h17
